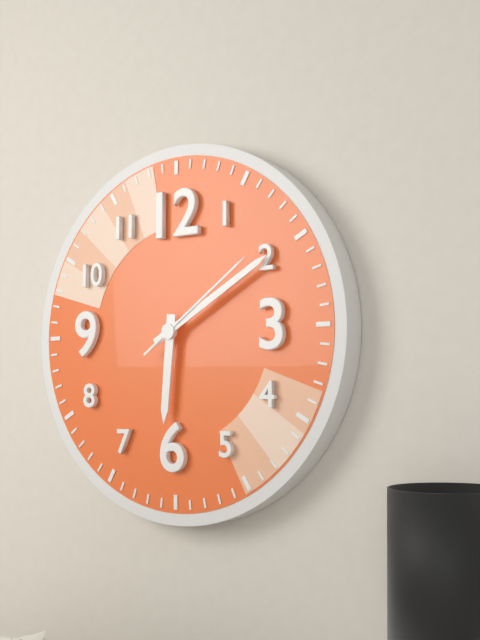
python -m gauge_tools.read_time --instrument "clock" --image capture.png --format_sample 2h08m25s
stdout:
6h10m09s
